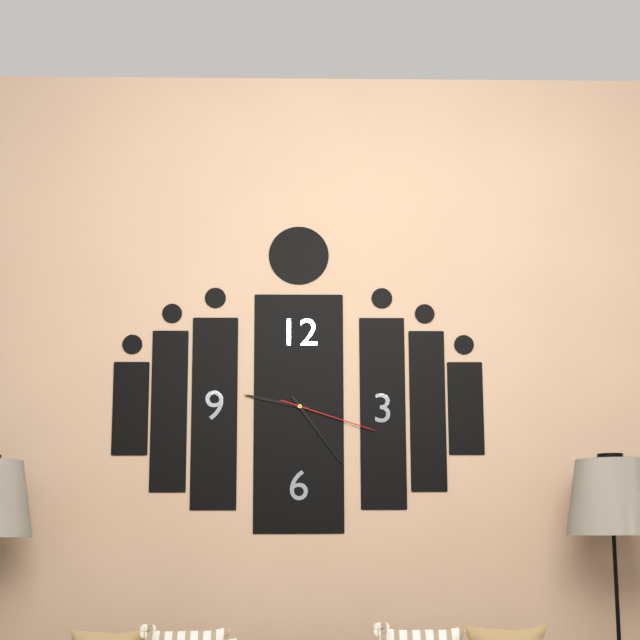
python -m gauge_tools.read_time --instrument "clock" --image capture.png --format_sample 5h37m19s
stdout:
9h24m18s
